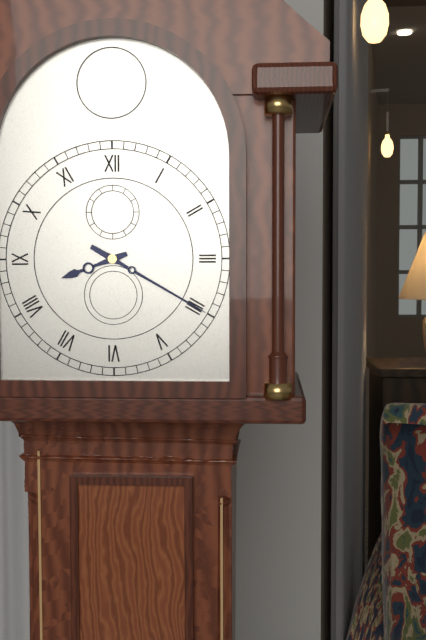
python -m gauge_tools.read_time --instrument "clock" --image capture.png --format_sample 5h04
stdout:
8h20
